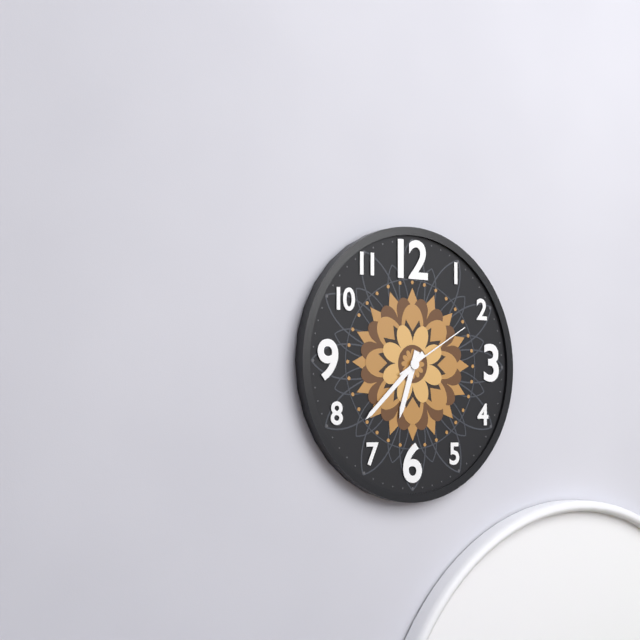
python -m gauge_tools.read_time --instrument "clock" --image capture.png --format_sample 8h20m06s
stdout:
6h38m10s
